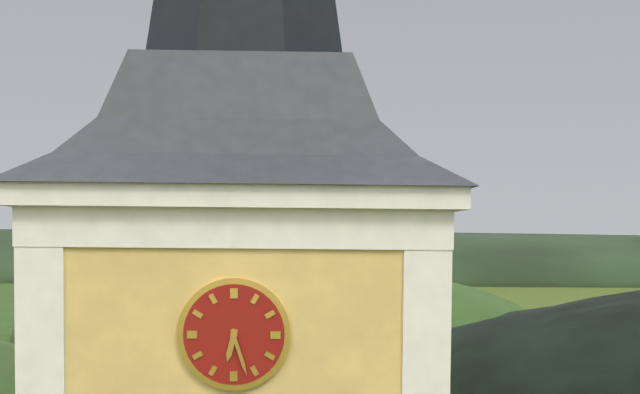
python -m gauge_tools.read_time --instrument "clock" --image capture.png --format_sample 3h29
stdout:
6h27
